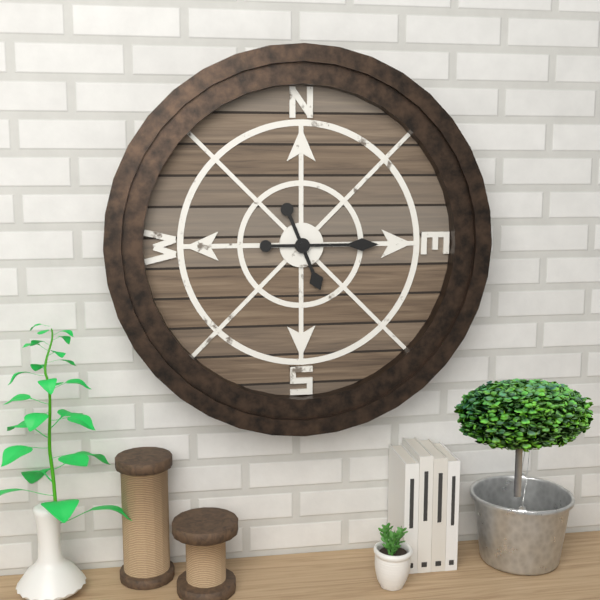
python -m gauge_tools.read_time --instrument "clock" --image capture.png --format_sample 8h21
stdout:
5h15
